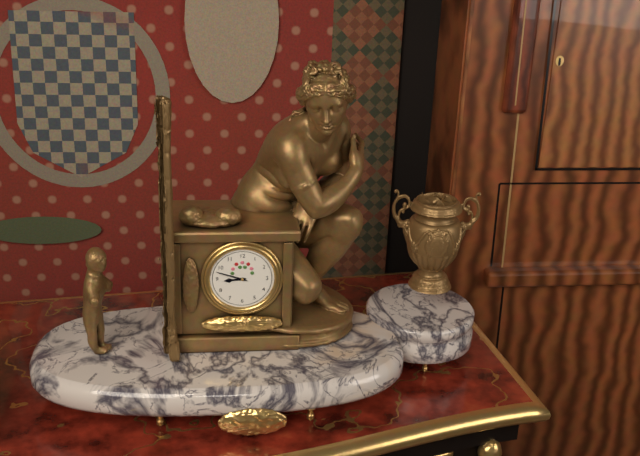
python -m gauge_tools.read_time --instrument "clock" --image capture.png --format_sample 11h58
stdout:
8h48
